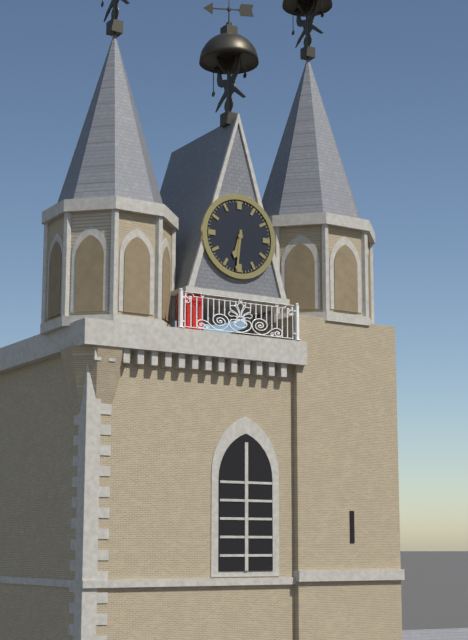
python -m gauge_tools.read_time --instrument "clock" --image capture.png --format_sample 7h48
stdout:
6h31
